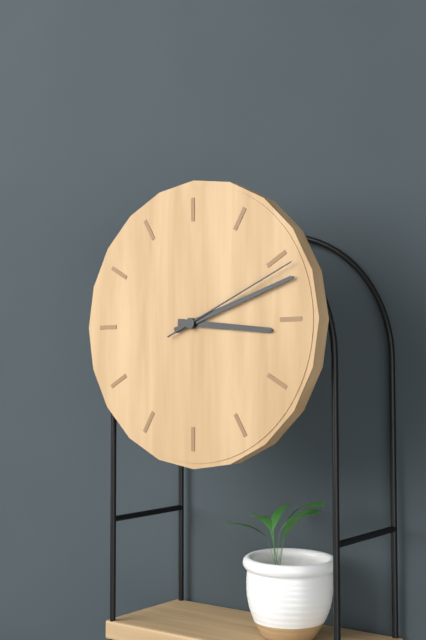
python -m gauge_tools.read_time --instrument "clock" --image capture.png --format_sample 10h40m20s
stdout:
3h12m11s
